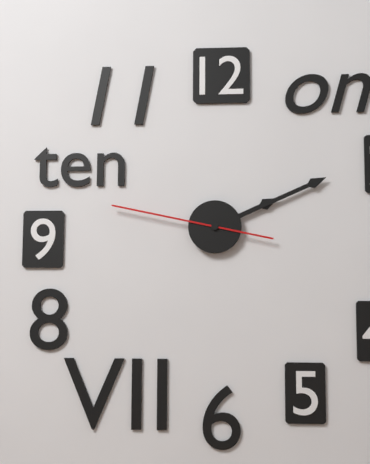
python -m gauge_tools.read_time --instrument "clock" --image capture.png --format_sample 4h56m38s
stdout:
2h11m47s
